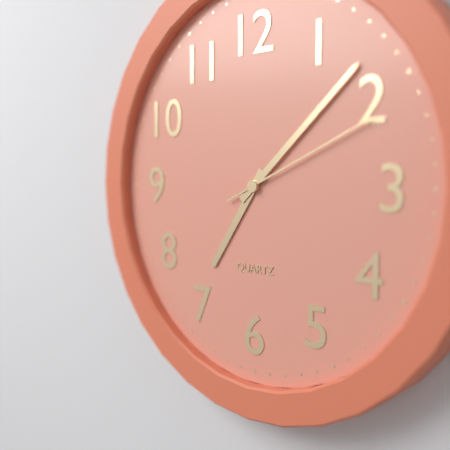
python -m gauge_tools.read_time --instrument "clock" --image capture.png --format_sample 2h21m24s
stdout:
7h08m11s
